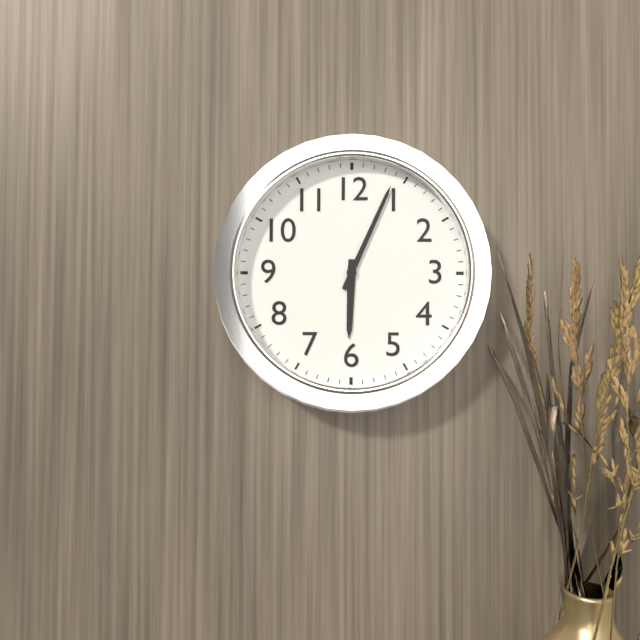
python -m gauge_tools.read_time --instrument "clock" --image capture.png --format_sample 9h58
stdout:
6h04
